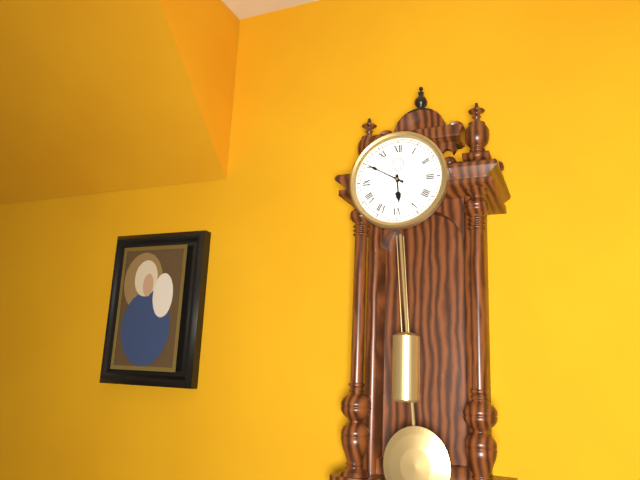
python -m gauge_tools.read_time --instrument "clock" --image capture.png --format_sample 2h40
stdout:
5h50
